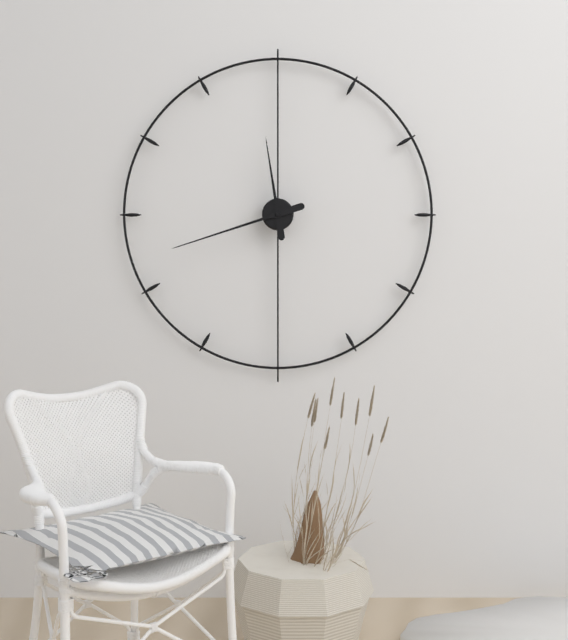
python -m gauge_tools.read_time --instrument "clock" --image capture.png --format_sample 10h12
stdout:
11h42
